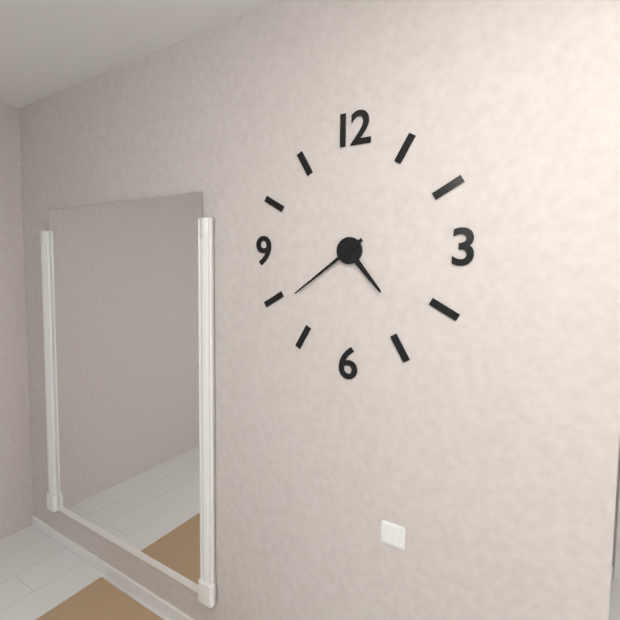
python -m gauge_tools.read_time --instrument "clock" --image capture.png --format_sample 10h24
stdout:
4h39
